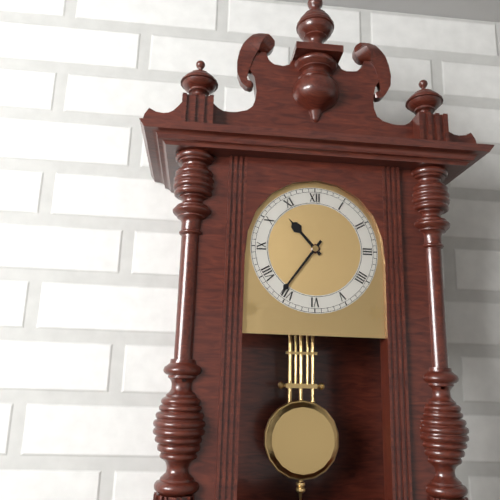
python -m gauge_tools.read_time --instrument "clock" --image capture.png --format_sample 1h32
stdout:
10h36
